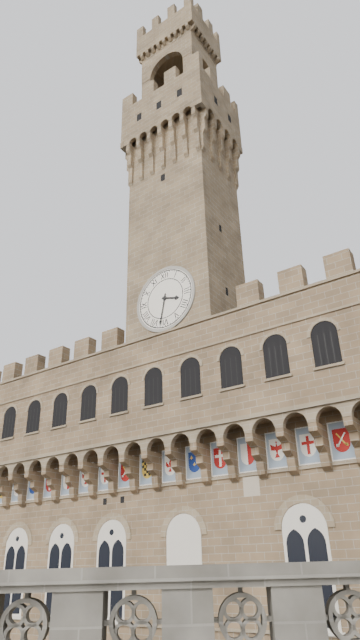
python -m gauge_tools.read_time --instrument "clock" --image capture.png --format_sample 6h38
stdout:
3h32
